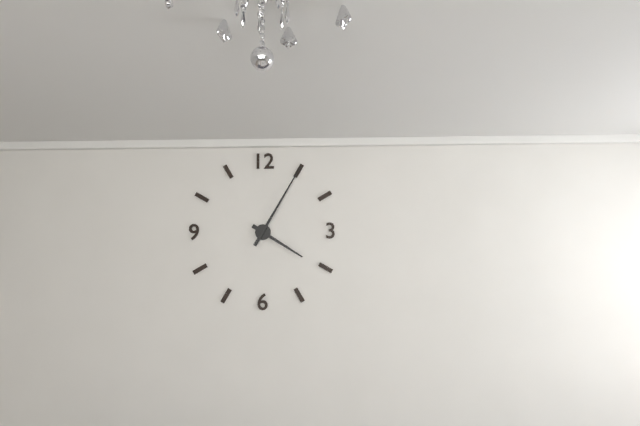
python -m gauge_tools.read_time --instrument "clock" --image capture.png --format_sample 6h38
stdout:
4h05
